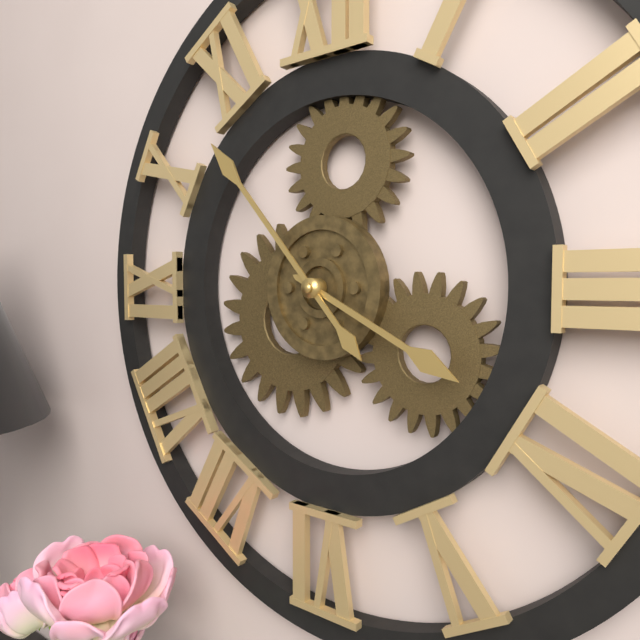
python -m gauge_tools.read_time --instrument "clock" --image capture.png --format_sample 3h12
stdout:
3h53
